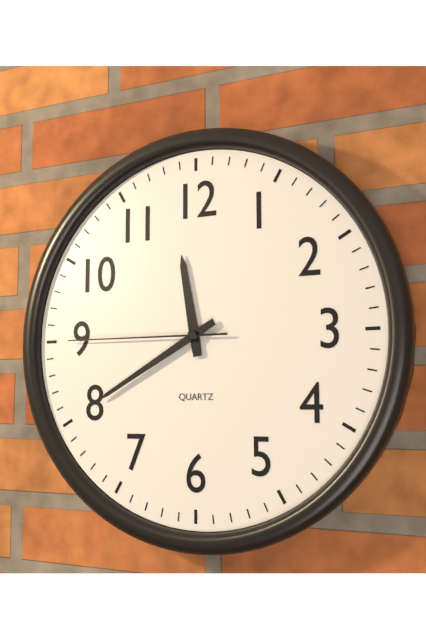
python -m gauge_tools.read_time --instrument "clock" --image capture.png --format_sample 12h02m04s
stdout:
11h40m45s
